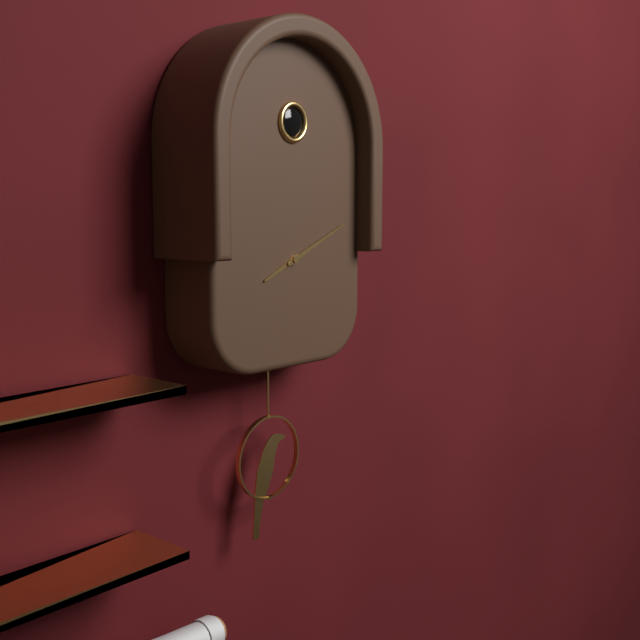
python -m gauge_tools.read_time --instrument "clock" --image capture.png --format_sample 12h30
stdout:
8h11
